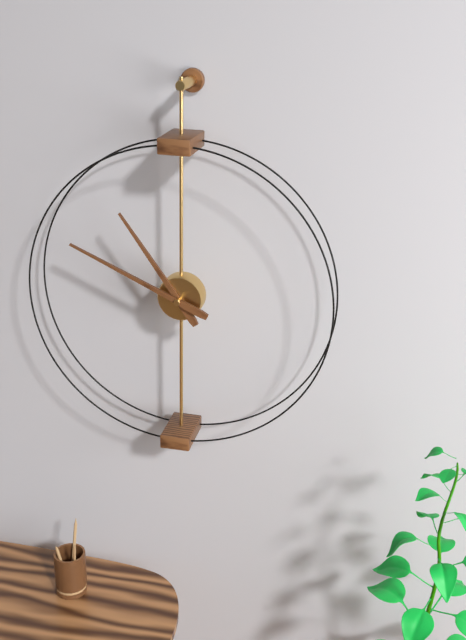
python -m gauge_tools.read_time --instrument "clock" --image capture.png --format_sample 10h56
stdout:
10h49
